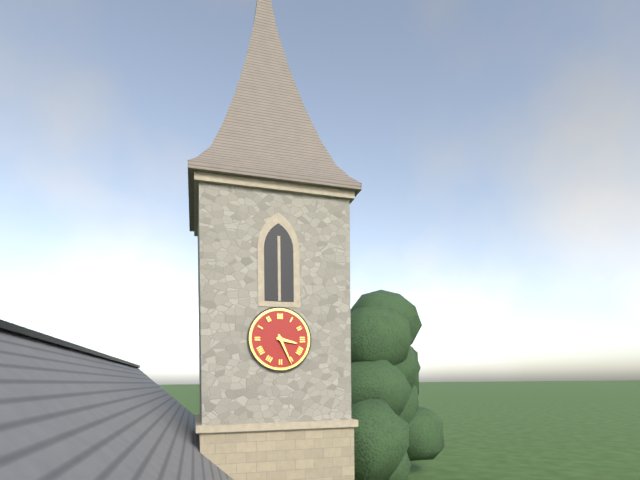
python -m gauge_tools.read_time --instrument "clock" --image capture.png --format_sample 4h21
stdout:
3h26
